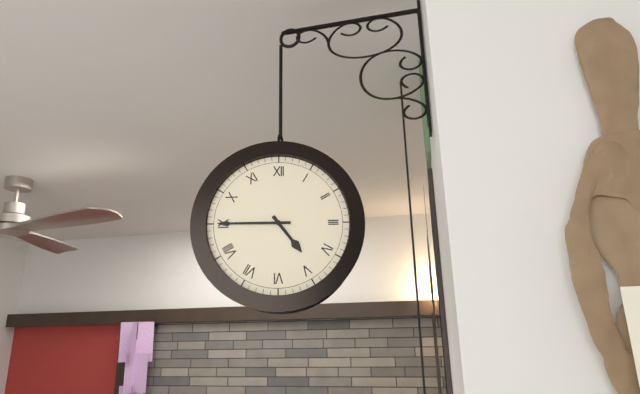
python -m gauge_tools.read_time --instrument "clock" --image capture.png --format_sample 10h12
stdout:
4h45
